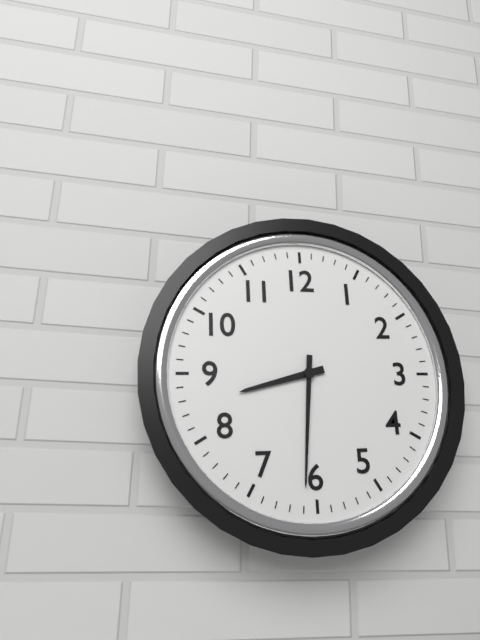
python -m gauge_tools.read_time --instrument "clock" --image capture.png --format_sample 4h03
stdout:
8h31
